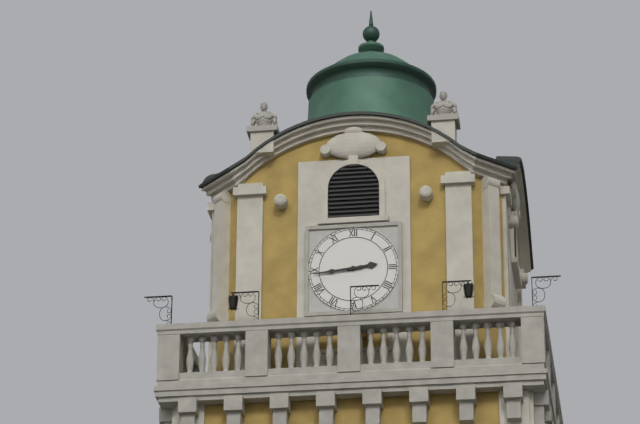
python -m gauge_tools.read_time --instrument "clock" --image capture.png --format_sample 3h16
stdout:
2h44
